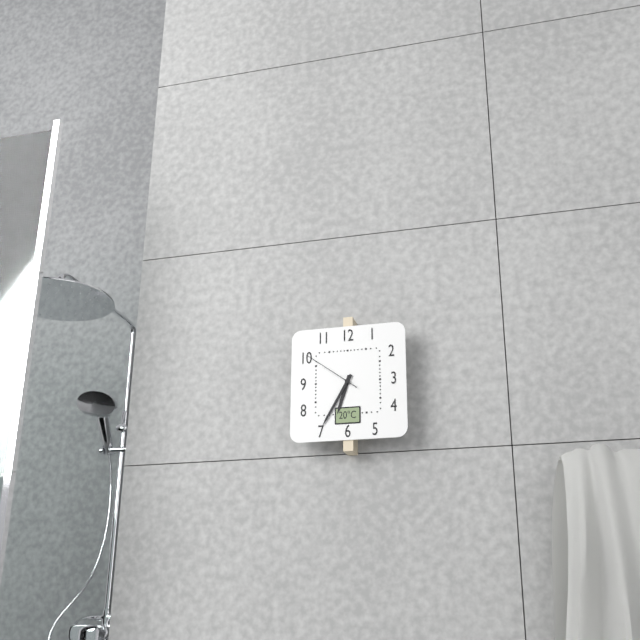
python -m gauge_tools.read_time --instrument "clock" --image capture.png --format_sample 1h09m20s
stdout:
6h35m51s
